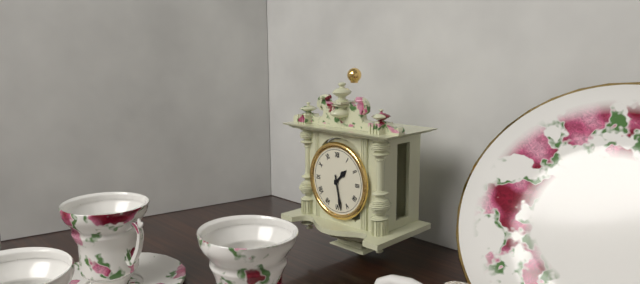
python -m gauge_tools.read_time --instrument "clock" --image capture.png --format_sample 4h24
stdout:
1h28
